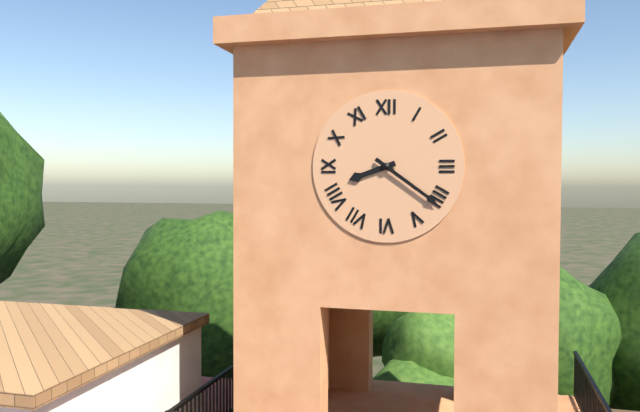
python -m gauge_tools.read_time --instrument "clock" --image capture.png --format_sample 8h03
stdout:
8h21
